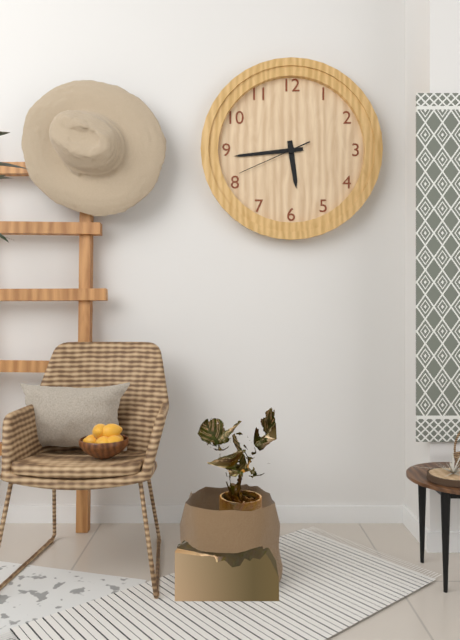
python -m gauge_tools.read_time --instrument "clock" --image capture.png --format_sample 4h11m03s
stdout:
5h44m41s
